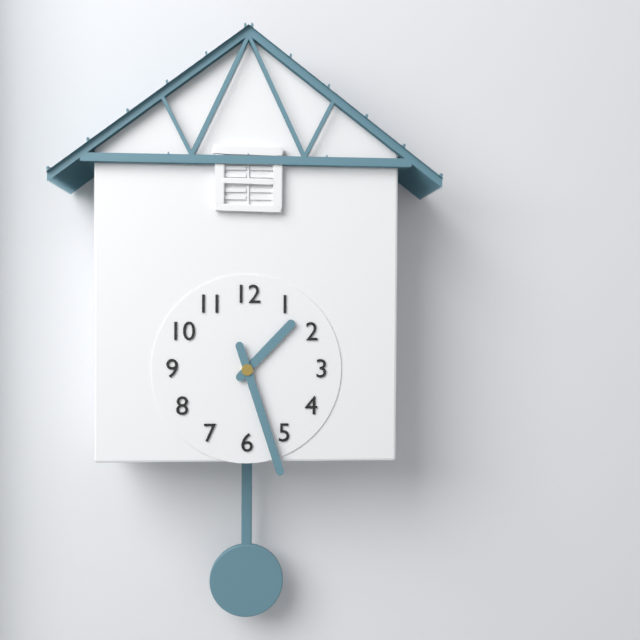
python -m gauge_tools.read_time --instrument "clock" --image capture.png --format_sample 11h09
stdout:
1h27
